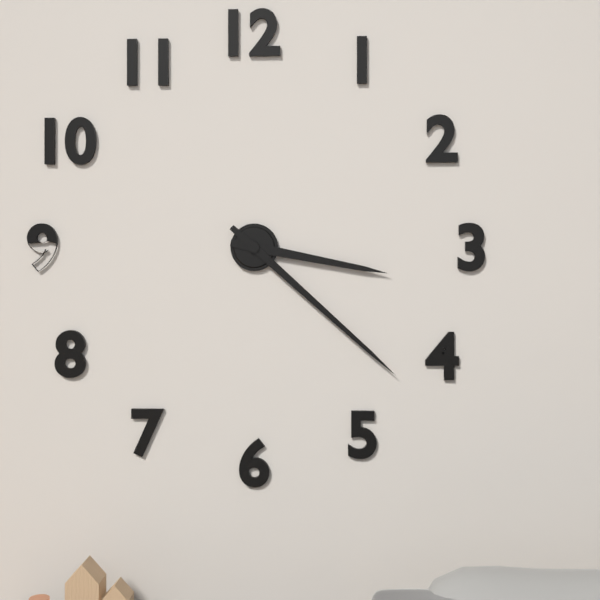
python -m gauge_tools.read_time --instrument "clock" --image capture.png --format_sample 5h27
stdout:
3h22
